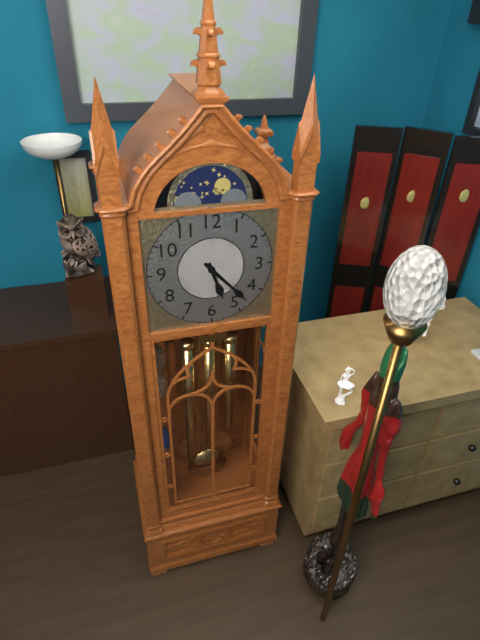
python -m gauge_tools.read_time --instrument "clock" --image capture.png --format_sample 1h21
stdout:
5h23
